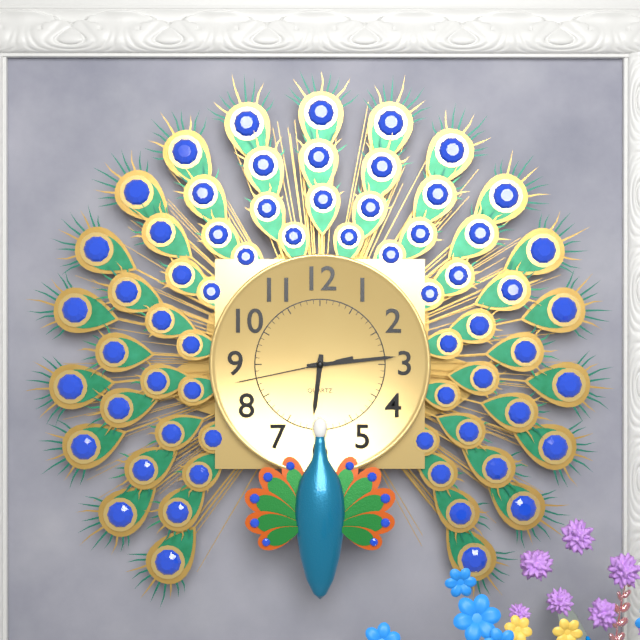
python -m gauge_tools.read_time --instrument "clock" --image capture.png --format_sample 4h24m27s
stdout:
6h14m43s
